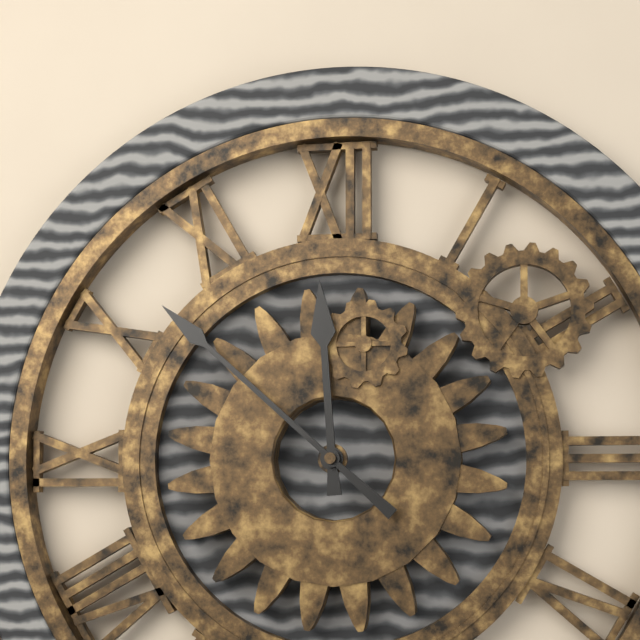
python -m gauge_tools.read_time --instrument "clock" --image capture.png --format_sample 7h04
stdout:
11h52
